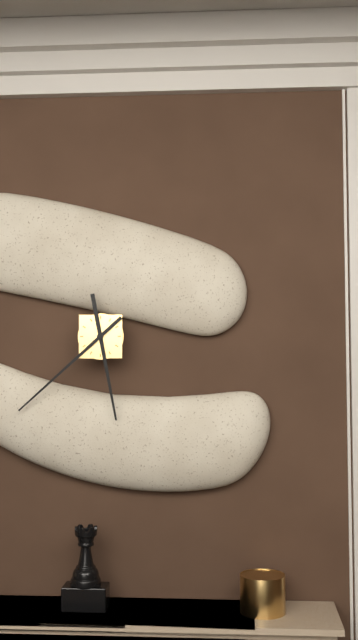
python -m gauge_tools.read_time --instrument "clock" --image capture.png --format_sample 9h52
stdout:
5h38
